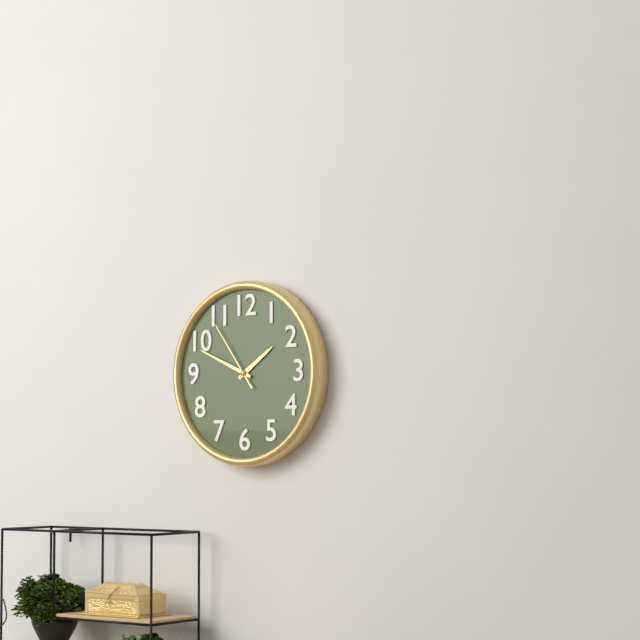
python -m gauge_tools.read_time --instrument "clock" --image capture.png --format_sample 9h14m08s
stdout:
1h49m54s
